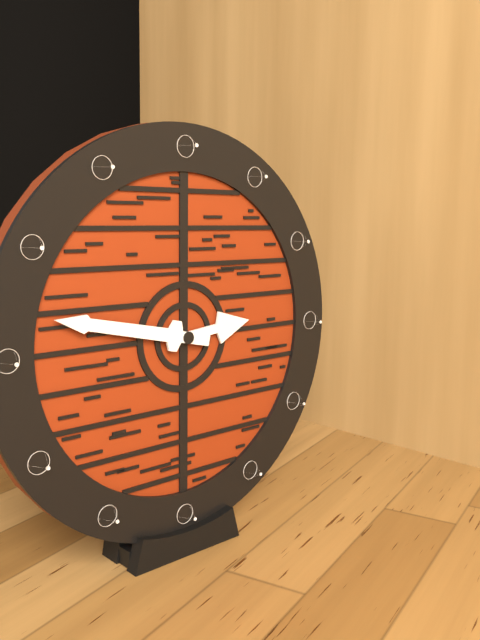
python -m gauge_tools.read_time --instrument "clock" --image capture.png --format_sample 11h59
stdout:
2h47
